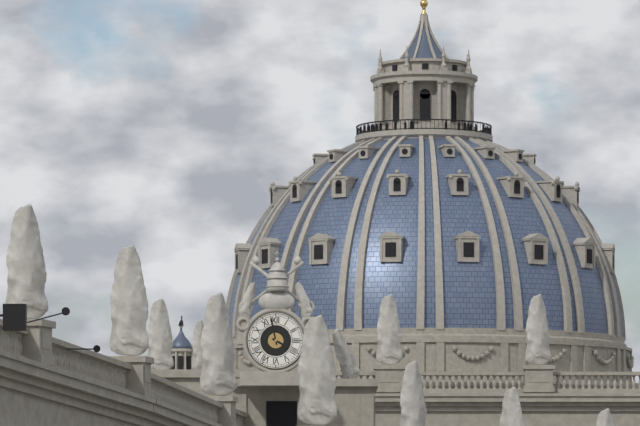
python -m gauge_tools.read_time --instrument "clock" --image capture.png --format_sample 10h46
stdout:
3h58
